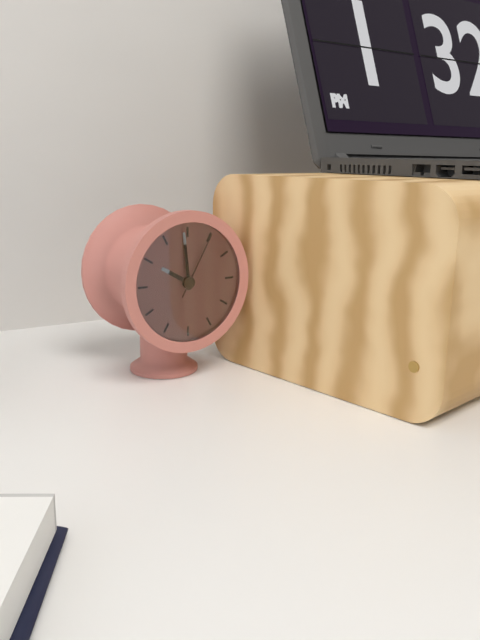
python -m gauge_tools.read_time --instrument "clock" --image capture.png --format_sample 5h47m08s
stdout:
9h59m05s
